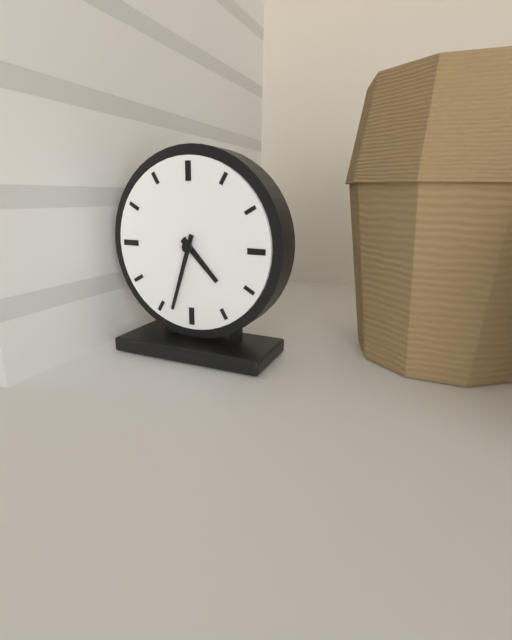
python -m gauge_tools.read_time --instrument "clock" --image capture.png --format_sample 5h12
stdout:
4h33
